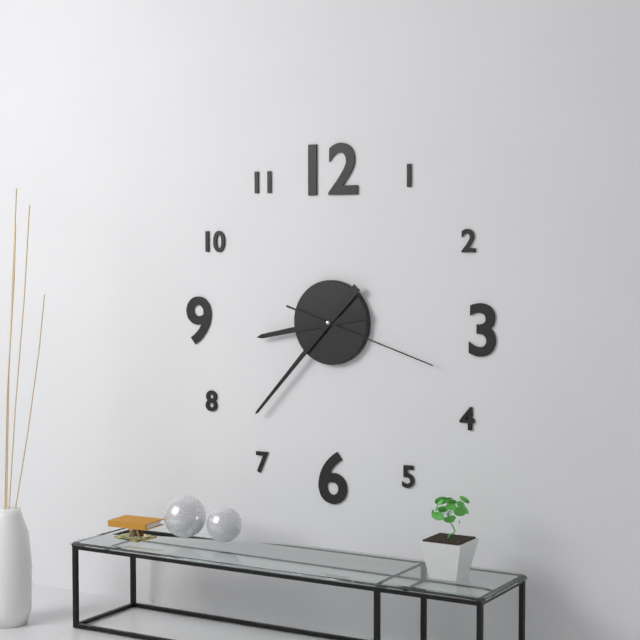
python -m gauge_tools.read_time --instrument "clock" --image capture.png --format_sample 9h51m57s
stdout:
8h37m18s
